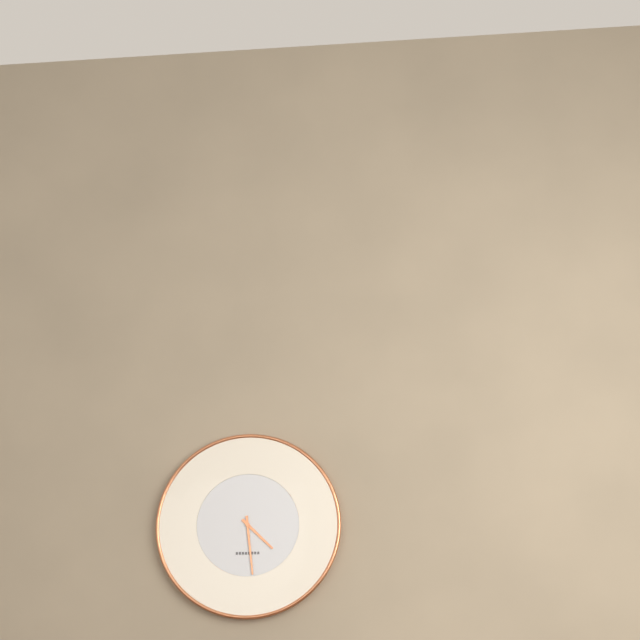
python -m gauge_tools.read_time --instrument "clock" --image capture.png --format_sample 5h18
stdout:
4h29
